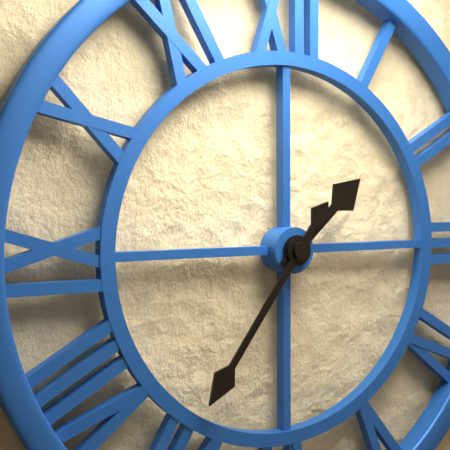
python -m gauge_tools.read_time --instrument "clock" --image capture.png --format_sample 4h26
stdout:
1h36
